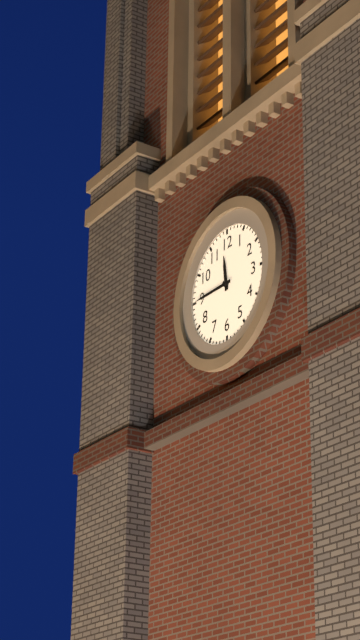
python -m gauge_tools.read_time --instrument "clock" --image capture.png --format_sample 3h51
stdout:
11h45
